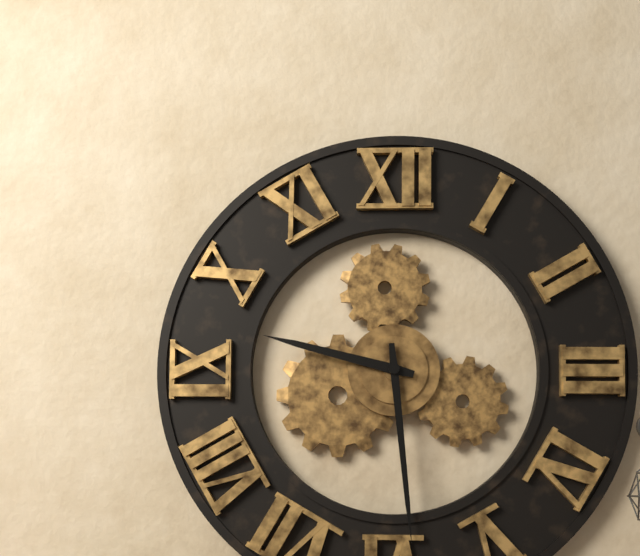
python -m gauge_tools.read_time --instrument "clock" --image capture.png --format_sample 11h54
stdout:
9h29
